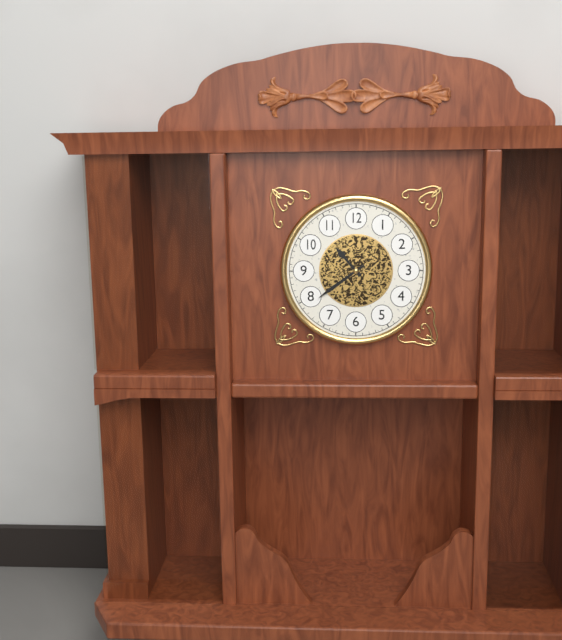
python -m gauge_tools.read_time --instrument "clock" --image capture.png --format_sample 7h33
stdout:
10h39
